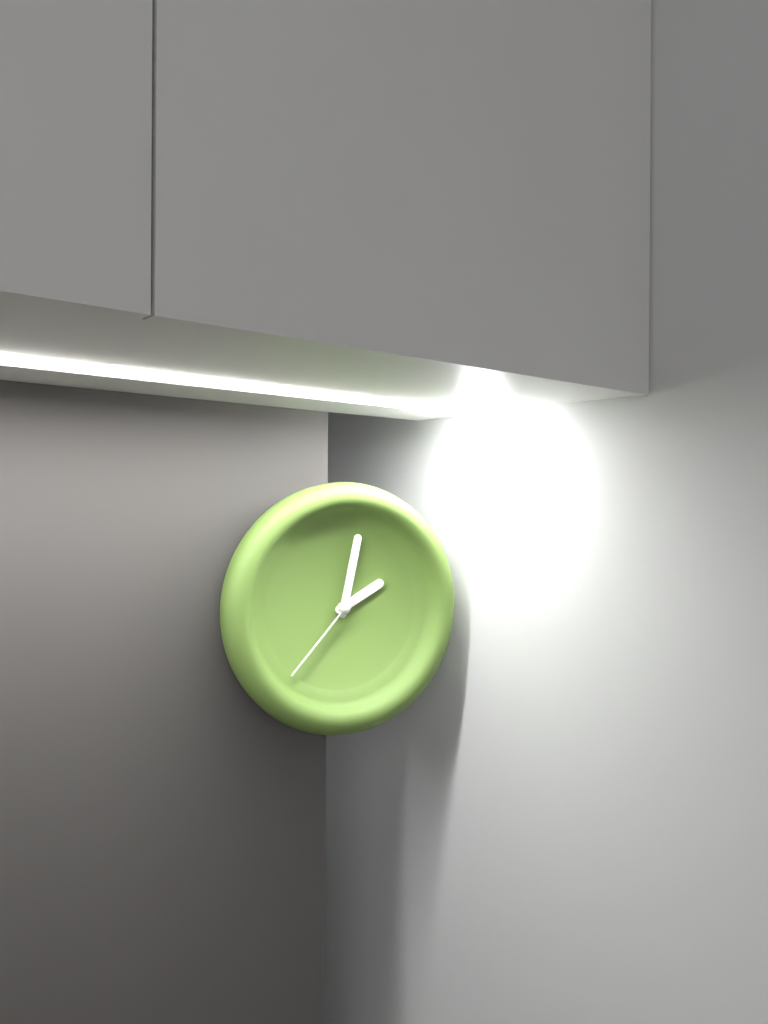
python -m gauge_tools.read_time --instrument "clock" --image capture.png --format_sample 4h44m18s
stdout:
2h02m37s
